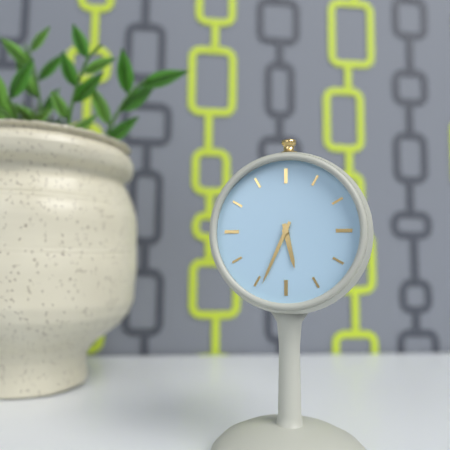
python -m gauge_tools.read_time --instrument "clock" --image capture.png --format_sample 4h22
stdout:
5h34
